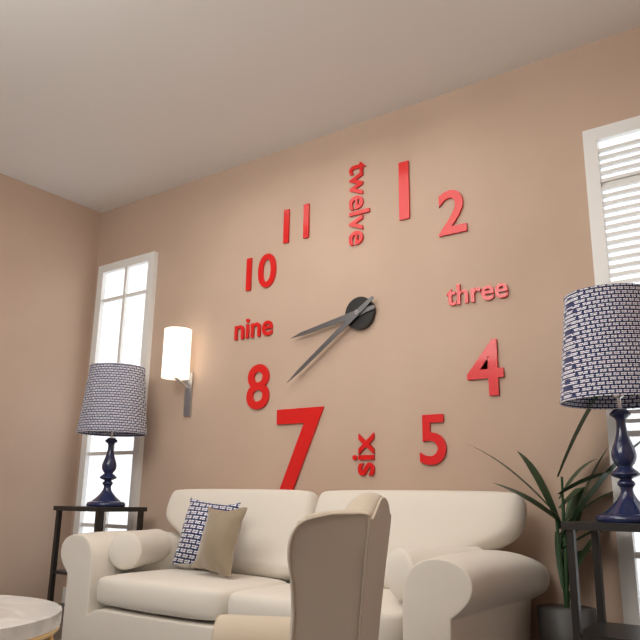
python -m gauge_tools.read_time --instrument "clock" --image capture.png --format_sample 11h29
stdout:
8h39
